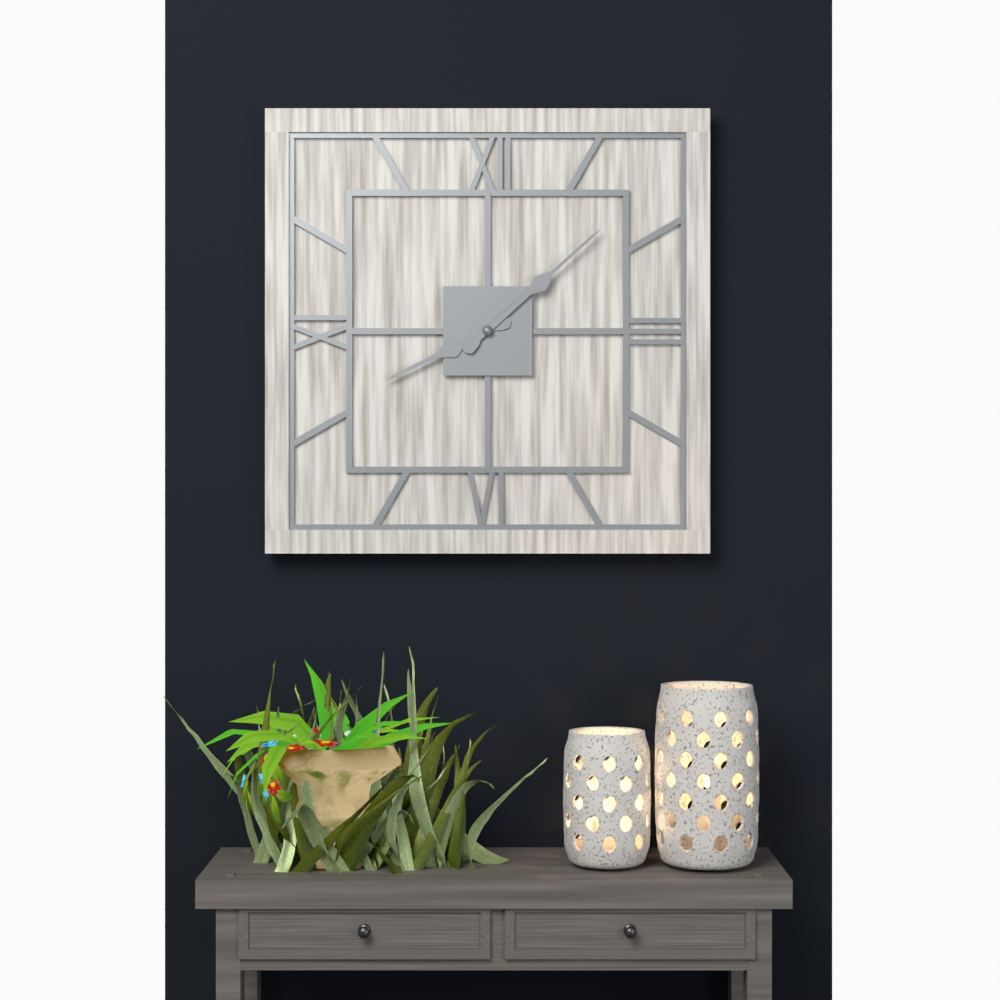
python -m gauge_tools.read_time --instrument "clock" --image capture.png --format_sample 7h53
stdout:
8h08
